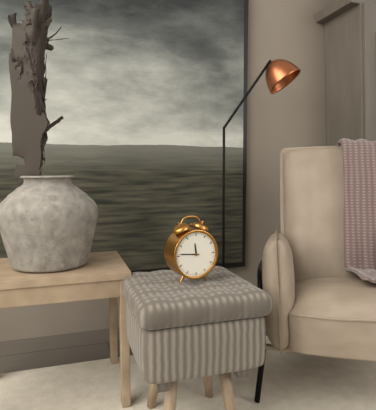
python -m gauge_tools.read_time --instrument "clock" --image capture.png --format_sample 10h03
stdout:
11h46
